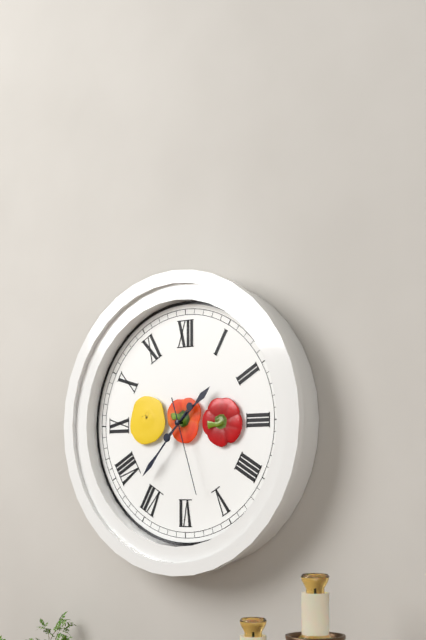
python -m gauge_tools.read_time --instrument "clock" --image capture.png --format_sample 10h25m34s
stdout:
1h37m27s
